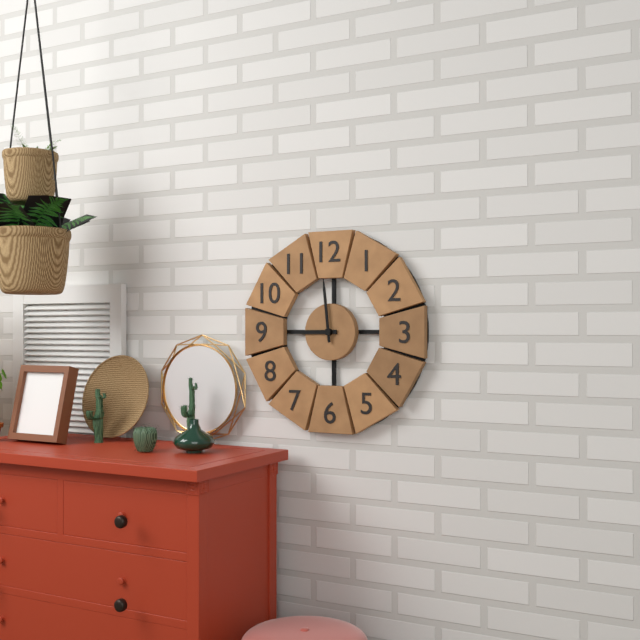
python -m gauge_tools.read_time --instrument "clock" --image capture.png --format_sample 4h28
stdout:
8h59
